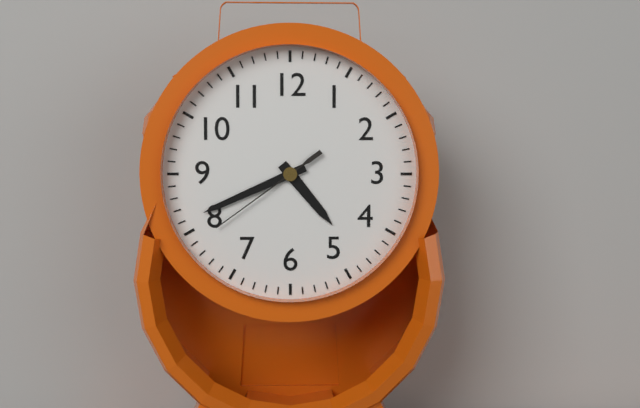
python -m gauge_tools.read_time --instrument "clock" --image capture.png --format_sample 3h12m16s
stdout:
4h41m39s
